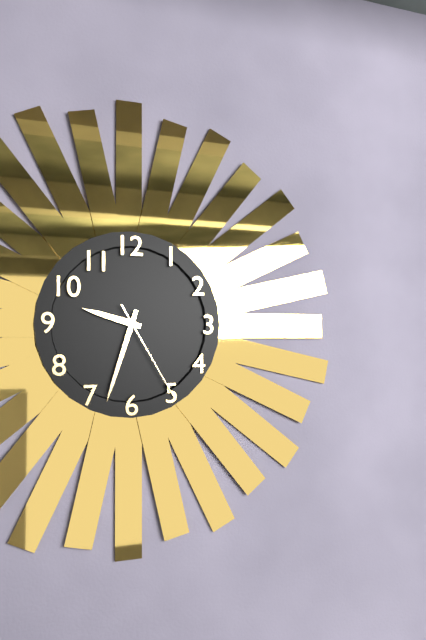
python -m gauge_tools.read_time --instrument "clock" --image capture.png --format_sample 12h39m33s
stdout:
9h33m25s
